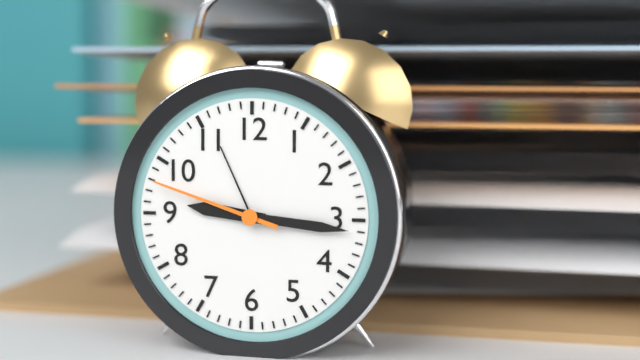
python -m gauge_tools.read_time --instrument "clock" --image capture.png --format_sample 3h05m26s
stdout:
9h16m48s
